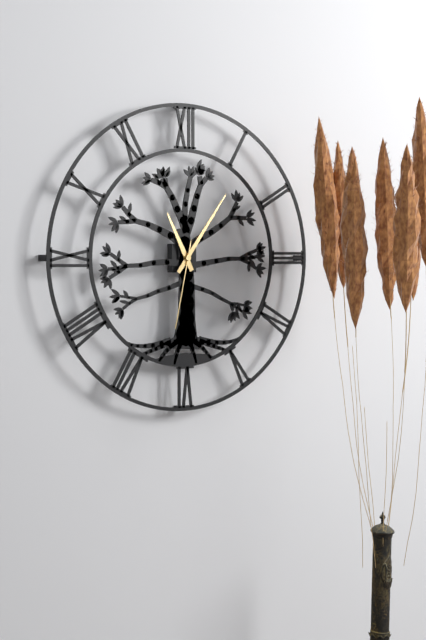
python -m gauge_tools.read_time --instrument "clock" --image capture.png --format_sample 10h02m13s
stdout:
11h06m32s
